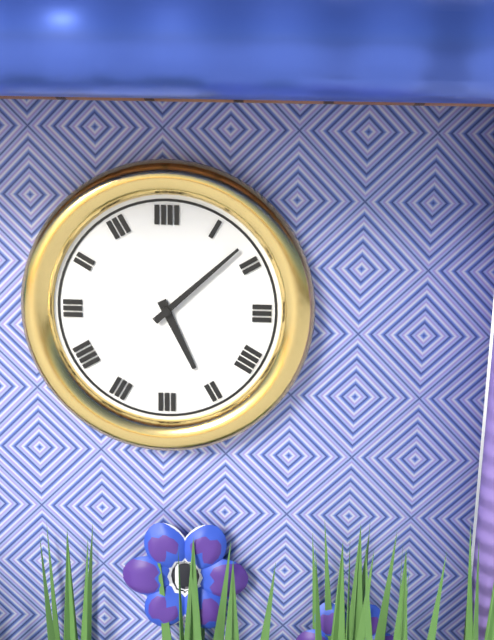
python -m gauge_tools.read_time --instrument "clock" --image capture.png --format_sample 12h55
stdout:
5h08
